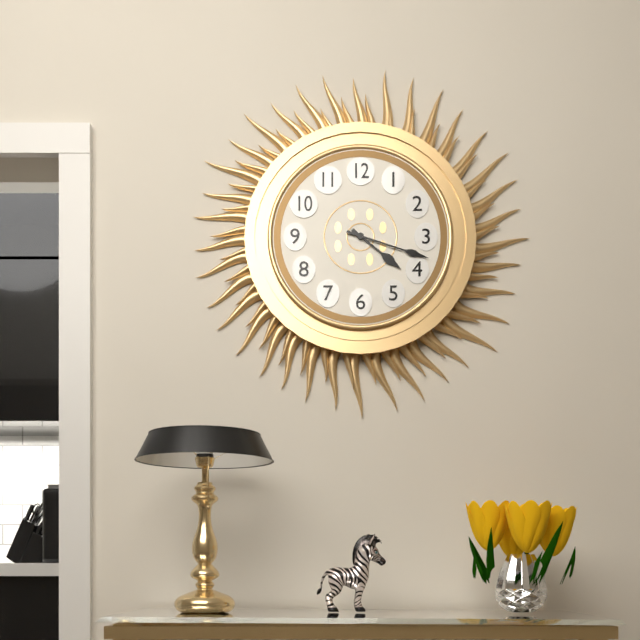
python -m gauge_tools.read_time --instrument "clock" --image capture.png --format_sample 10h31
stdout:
4h18
